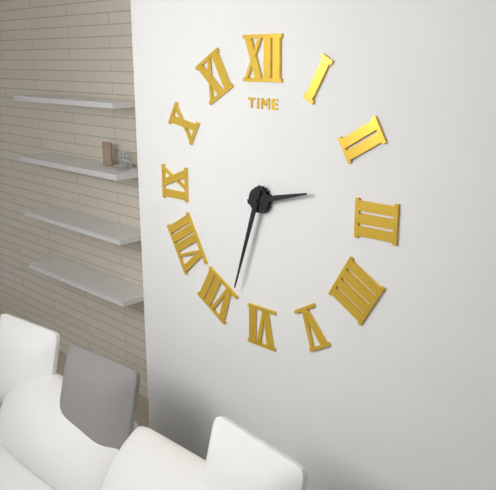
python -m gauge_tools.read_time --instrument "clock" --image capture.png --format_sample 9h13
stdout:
2h33
